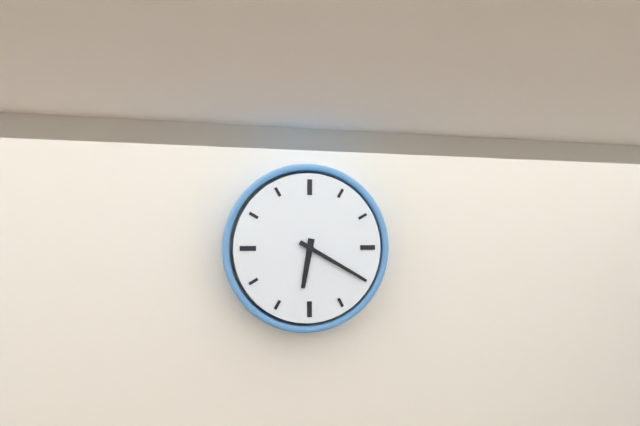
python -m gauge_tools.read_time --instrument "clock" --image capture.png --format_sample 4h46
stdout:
6h20
